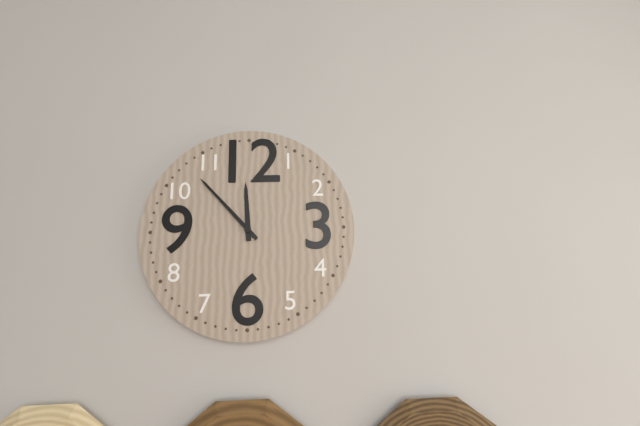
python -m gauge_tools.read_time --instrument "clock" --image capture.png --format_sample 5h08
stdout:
11h53
